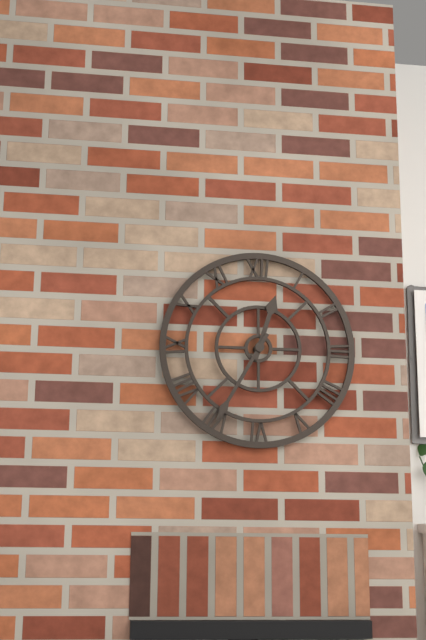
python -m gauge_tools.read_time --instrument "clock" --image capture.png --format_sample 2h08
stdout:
12h35
